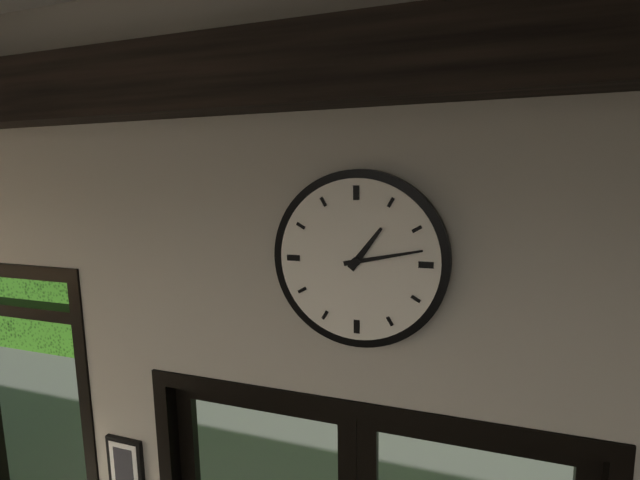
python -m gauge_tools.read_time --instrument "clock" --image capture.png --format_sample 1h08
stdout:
1h13
